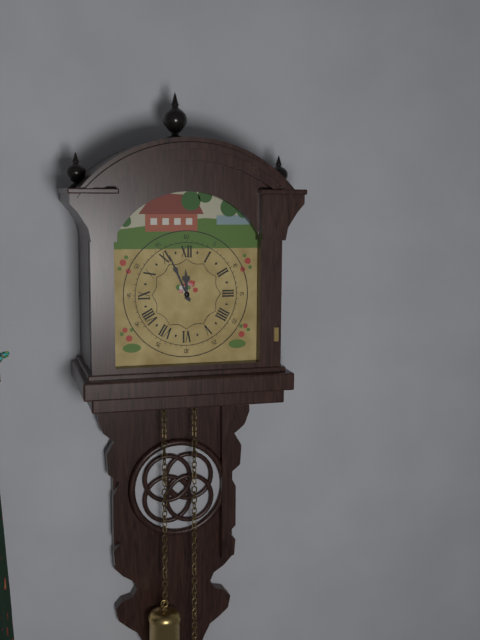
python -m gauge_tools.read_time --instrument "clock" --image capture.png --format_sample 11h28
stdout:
11h56
